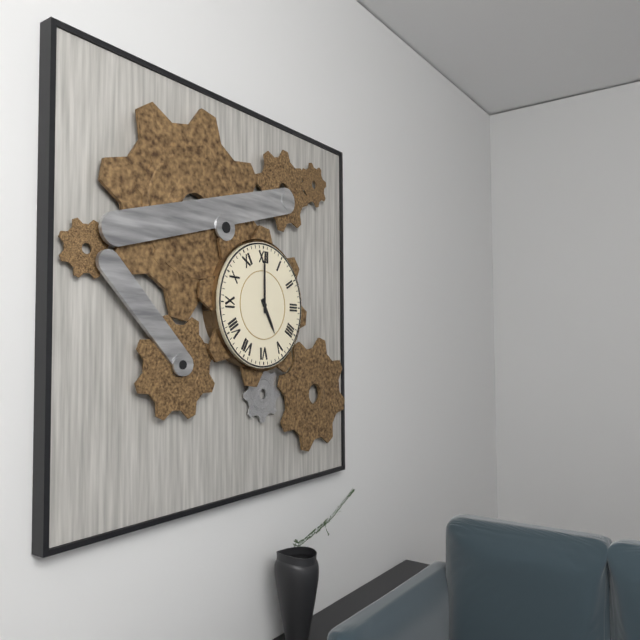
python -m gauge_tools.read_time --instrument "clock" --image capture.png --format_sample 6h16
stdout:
5h00
